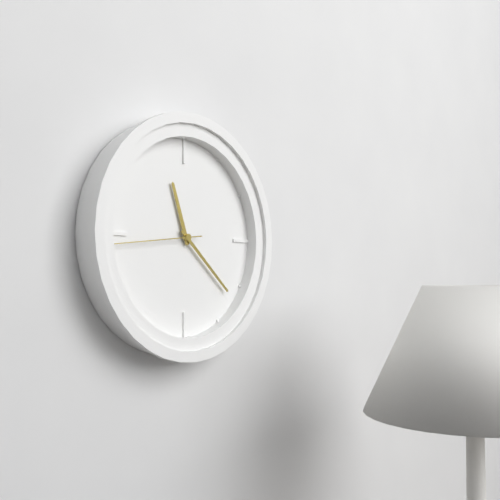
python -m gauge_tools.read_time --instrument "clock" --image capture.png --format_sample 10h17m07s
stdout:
11h22m44s
